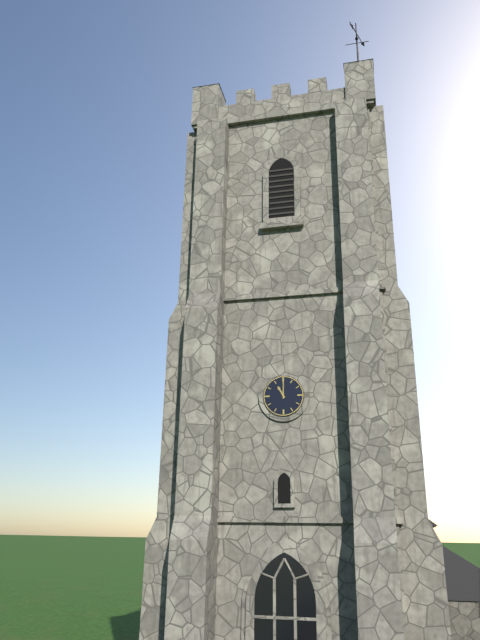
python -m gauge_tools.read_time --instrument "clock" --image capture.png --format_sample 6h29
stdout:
11h00
